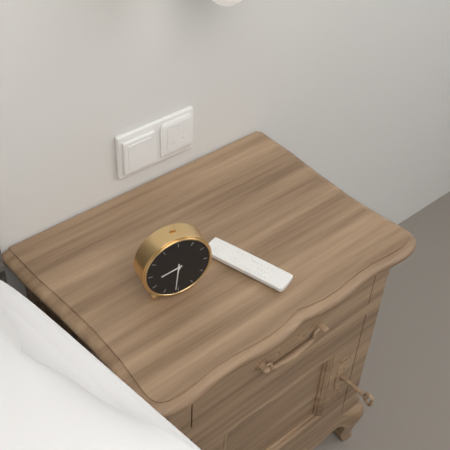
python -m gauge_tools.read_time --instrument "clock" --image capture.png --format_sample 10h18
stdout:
8h31
